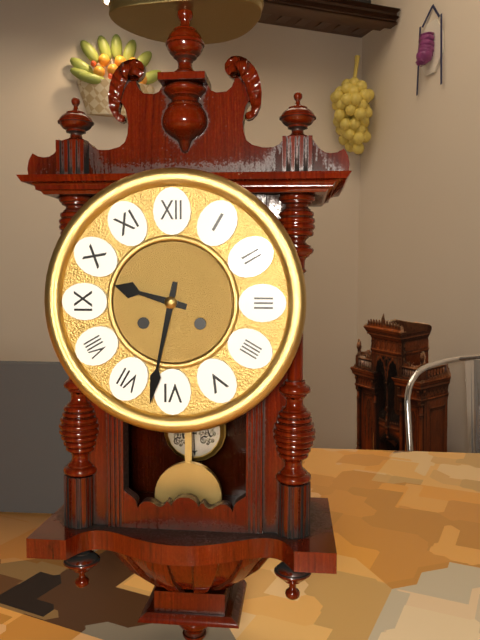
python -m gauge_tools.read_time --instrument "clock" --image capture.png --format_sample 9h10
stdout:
9h32
